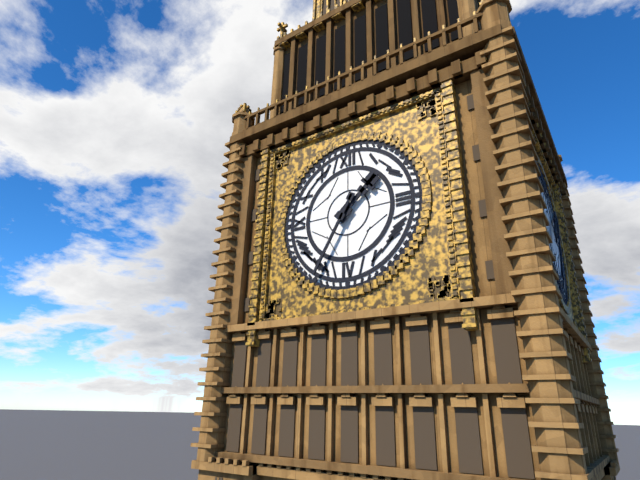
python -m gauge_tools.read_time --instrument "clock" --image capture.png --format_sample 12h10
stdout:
1h35
